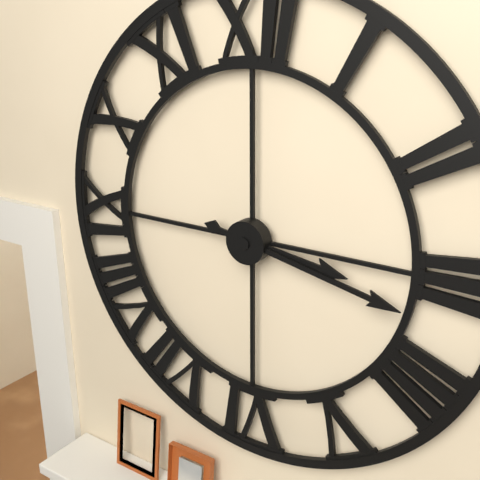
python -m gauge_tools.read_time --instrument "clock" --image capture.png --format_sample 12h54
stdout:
3h17
